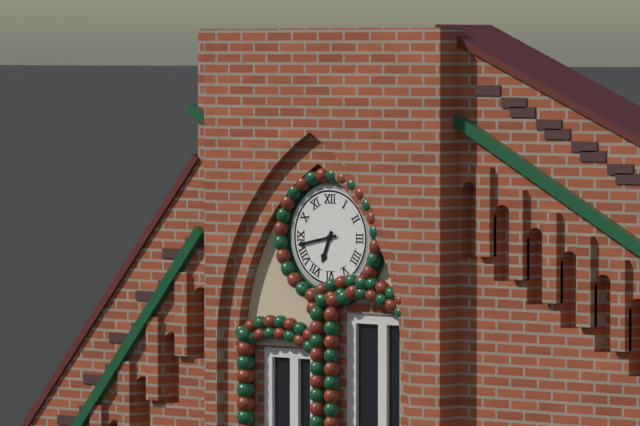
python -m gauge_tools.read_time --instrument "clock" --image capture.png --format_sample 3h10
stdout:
6h43
